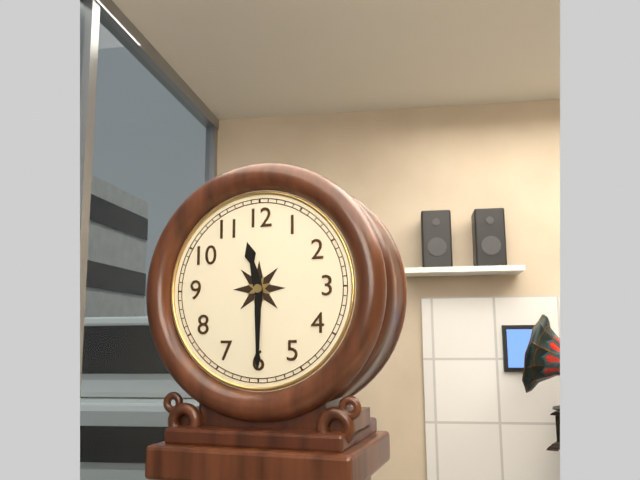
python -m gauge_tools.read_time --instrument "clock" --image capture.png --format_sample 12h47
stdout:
11h30
